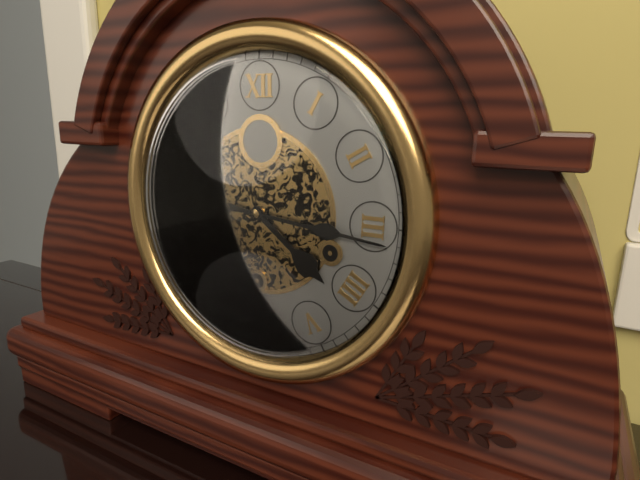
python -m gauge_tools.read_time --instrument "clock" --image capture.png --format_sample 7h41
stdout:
4h16
